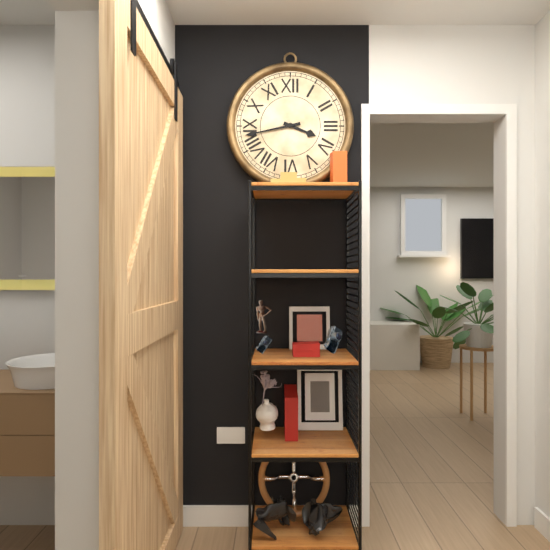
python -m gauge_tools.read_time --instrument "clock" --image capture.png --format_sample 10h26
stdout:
3h43
